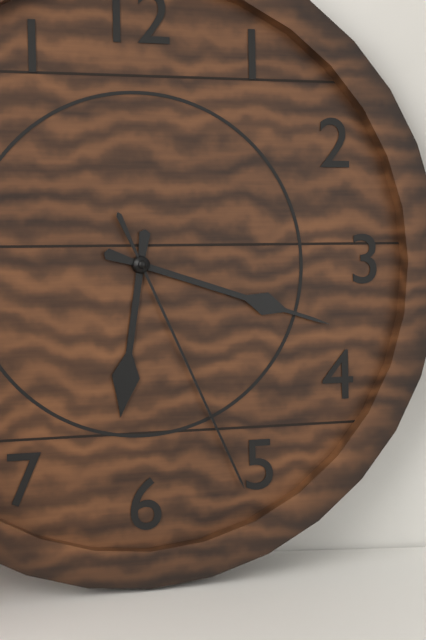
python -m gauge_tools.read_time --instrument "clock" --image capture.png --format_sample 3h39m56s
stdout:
6h18m26s
